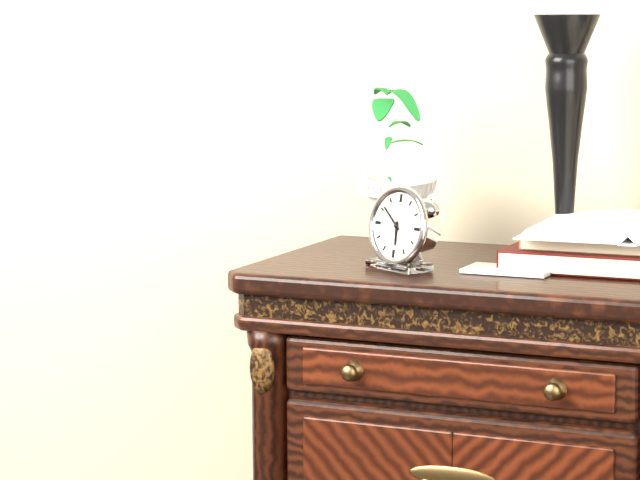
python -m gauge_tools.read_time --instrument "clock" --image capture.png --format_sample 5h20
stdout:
5h51
